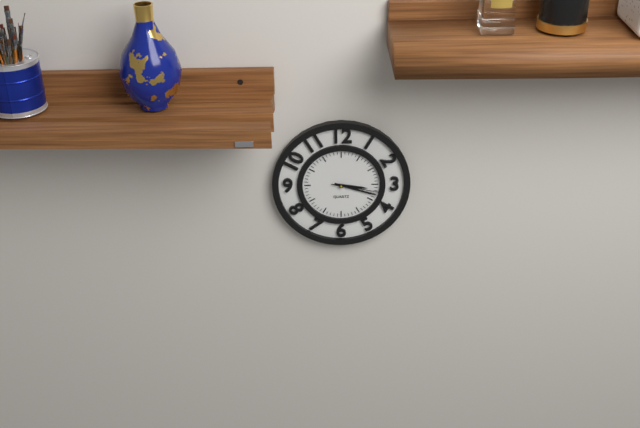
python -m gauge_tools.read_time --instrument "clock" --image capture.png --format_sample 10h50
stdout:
3h18
